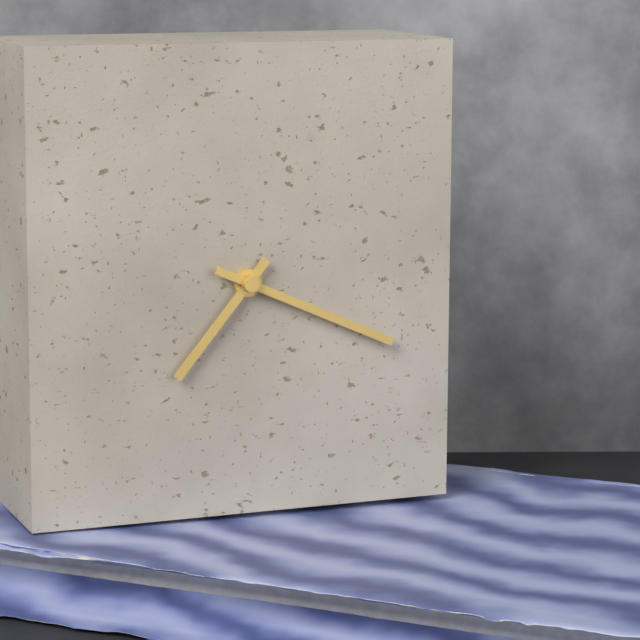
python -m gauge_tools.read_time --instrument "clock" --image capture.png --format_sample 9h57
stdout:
7h19
